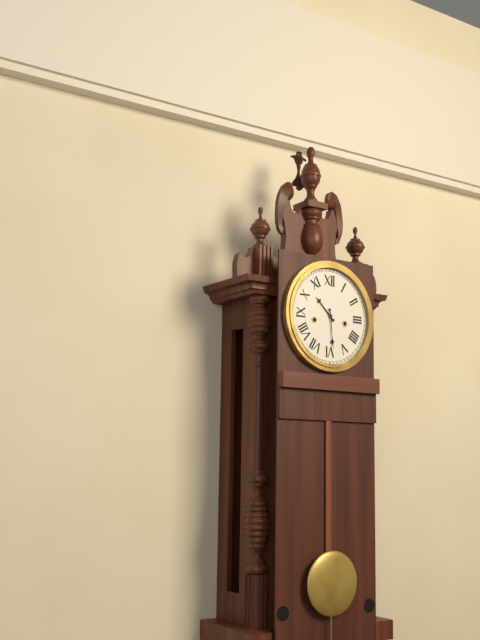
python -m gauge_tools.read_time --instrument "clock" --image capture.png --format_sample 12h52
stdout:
10h29
